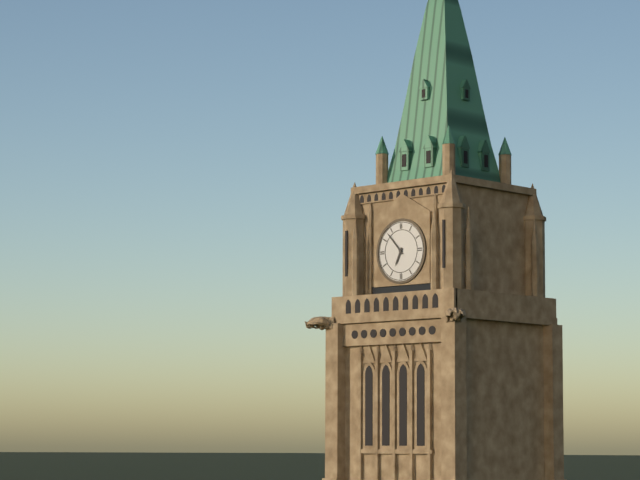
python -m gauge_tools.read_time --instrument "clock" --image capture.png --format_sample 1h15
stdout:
6h53
